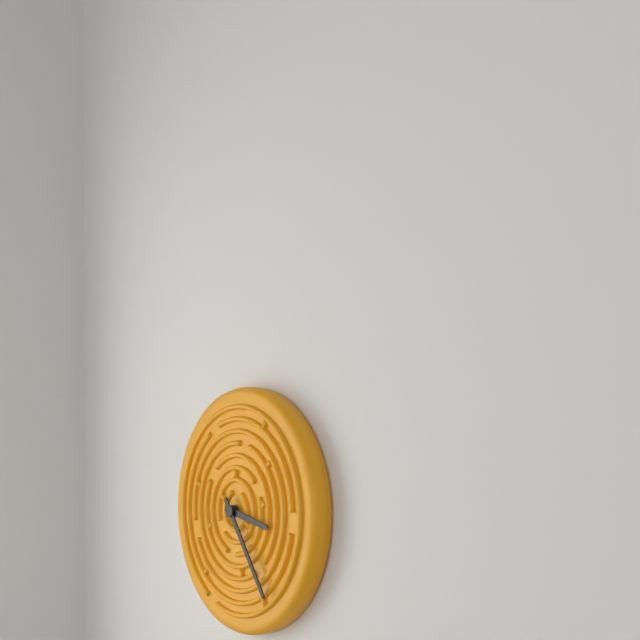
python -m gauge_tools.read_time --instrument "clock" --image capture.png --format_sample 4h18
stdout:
3h24
